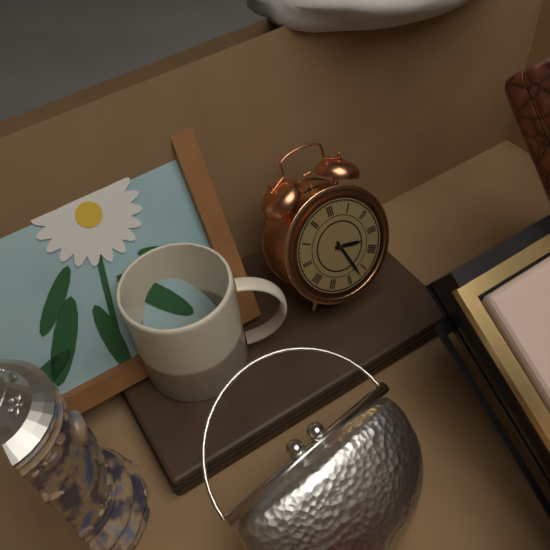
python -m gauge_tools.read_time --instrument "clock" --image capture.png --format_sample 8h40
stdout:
3h27
